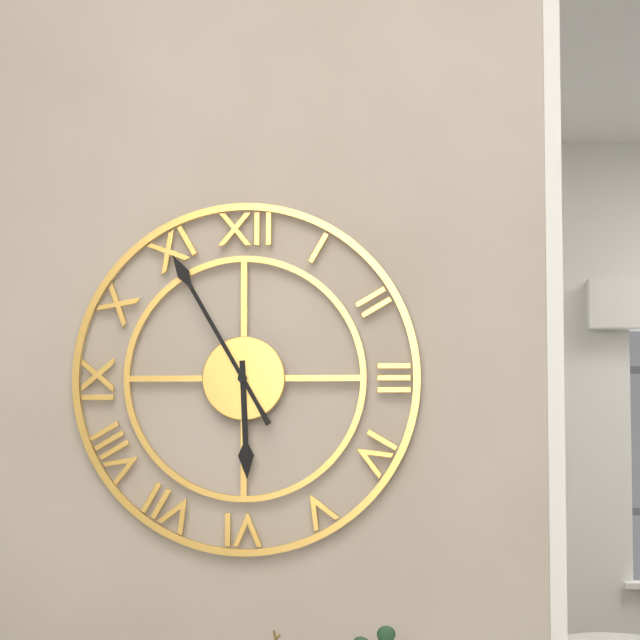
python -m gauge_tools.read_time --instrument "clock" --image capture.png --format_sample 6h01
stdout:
5h55
